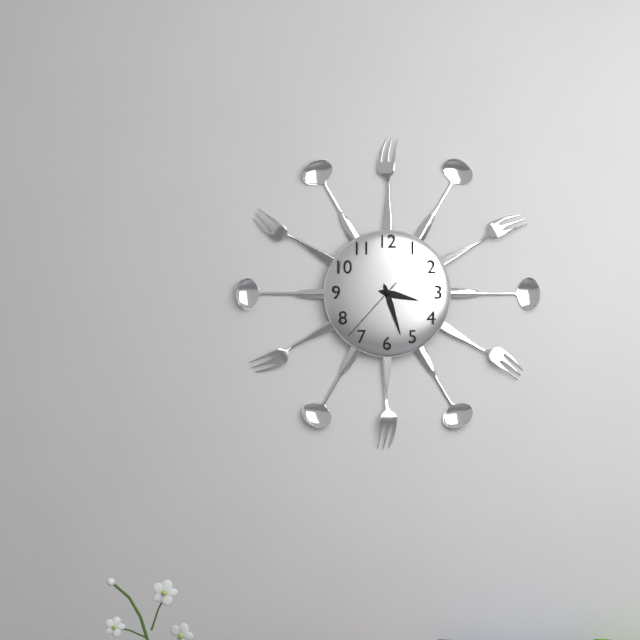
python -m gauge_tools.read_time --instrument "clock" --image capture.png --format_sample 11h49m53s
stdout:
3h27m37s
